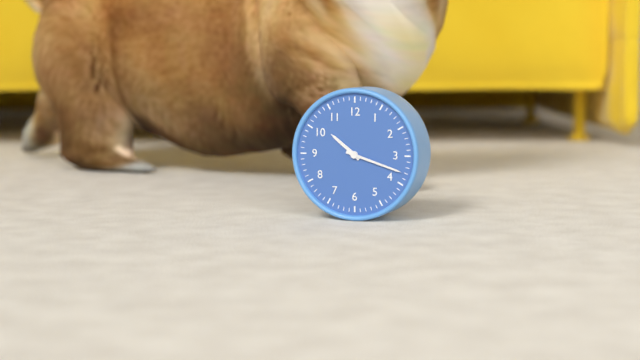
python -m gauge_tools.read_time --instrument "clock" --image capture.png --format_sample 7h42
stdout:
10h18
